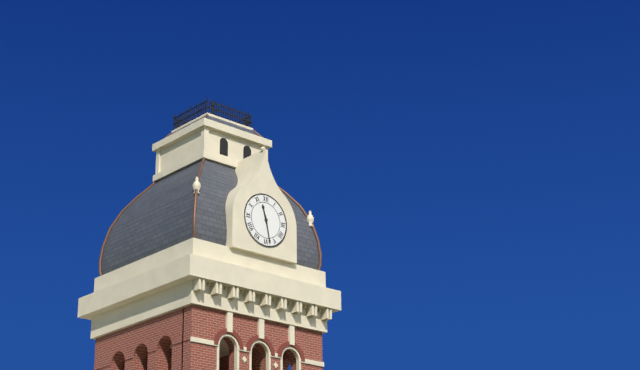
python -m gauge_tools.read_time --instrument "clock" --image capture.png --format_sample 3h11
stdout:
11h28
